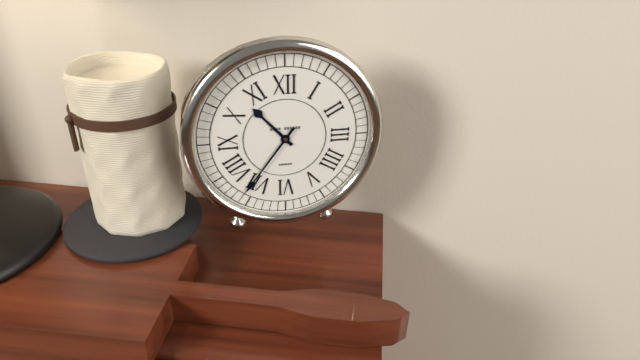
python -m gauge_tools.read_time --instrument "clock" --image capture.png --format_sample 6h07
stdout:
10h36
